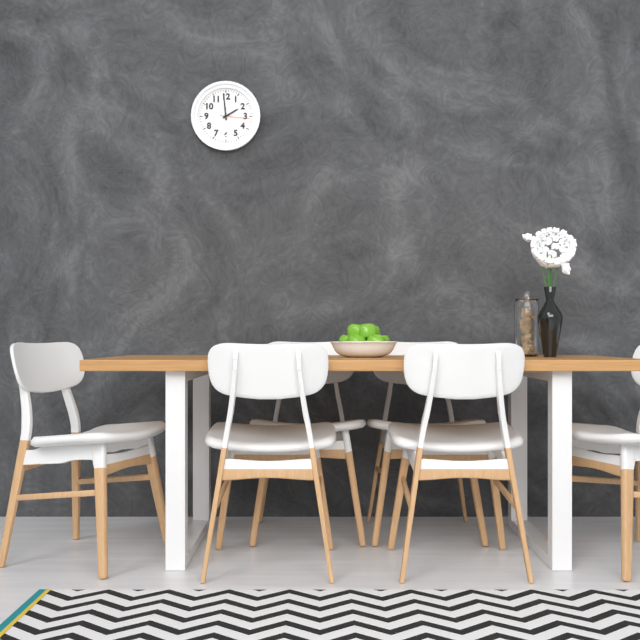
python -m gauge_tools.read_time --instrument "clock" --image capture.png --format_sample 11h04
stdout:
1h59
